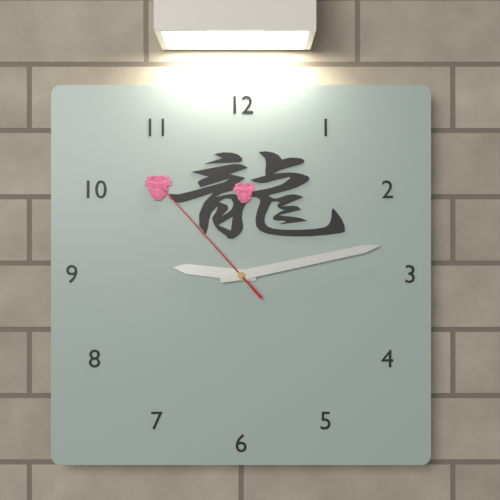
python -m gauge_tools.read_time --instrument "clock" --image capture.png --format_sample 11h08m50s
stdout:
9h13m53s
